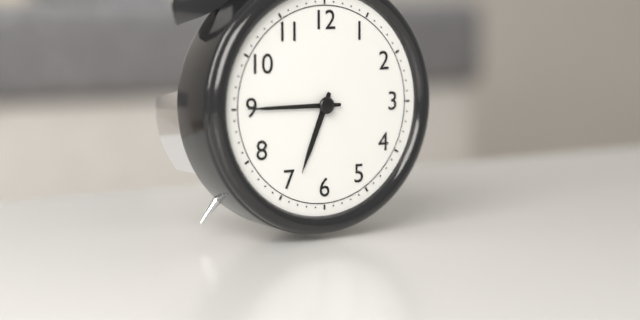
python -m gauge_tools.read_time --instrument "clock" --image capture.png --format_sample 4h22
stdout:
6h45
